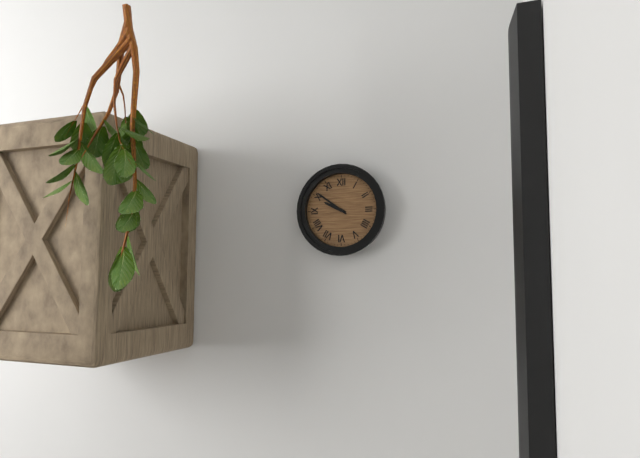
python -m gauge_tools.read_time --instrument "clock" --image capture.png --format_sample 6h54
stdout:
9h51
